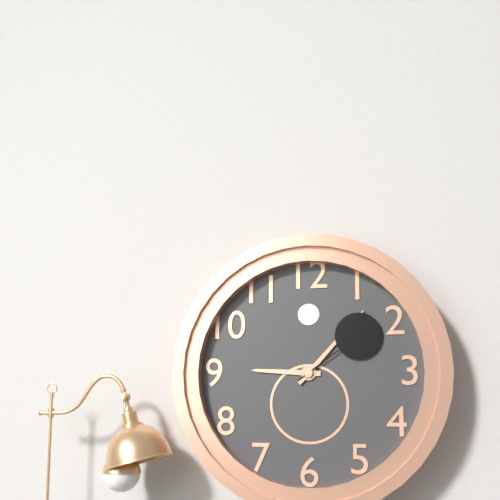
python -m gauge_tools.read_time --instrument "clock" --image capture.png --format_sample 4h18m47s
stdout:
9h07m09s
